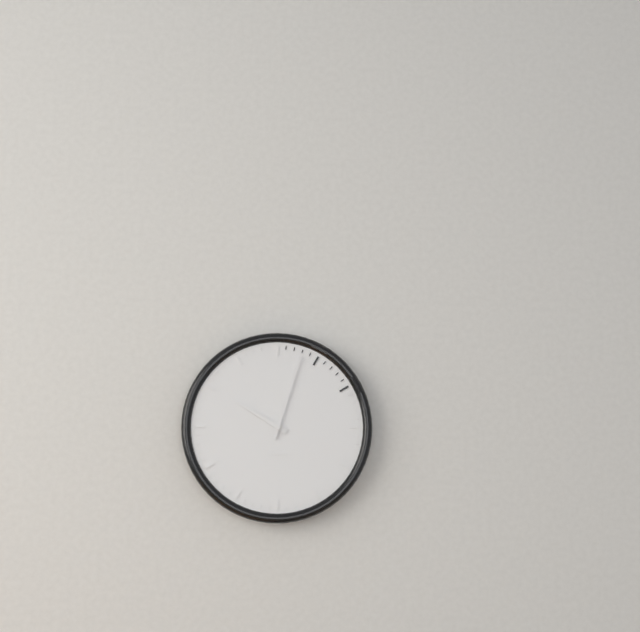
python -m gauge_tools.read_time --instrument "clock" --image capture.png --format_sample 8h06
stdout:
10h03
